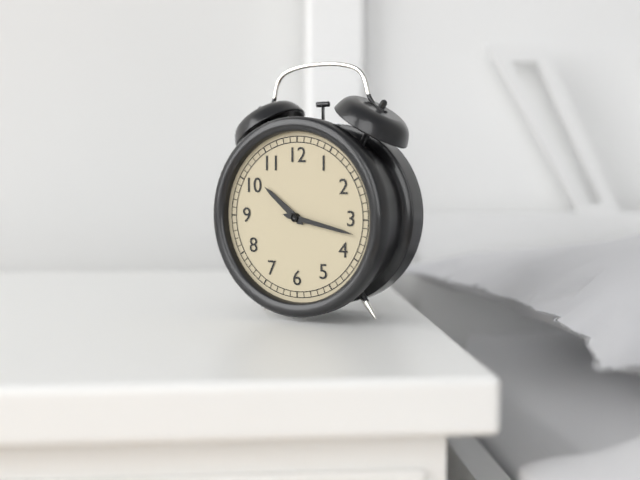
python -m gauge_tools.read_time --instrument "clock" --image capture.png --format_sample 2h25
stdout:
10h17
